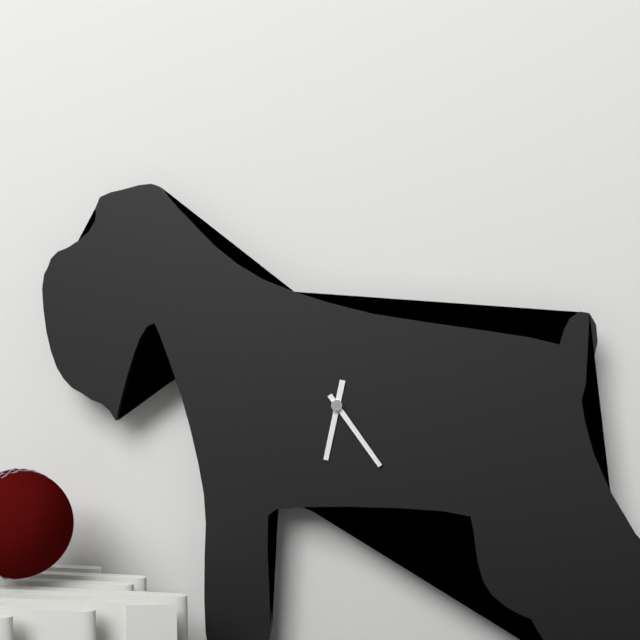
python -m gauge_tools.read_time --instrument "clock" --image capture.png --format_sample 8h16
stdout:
6h24
